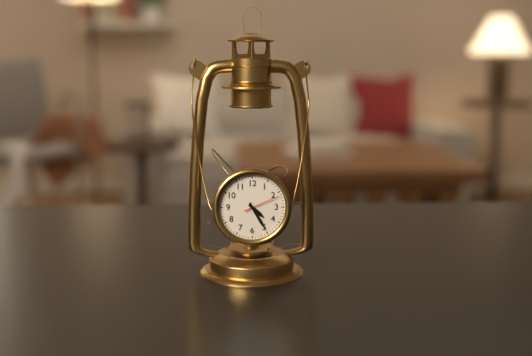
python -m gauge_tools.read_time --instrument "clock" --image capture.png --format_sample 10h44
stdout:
4h25
